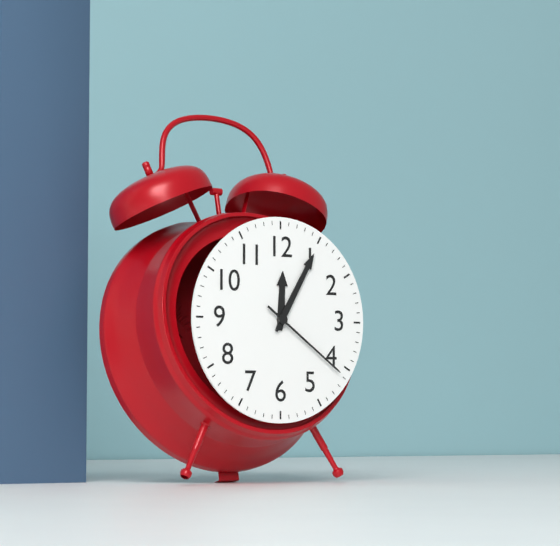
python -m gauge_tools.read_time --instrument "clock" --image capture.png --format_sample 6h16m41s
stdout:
12h05m21s
